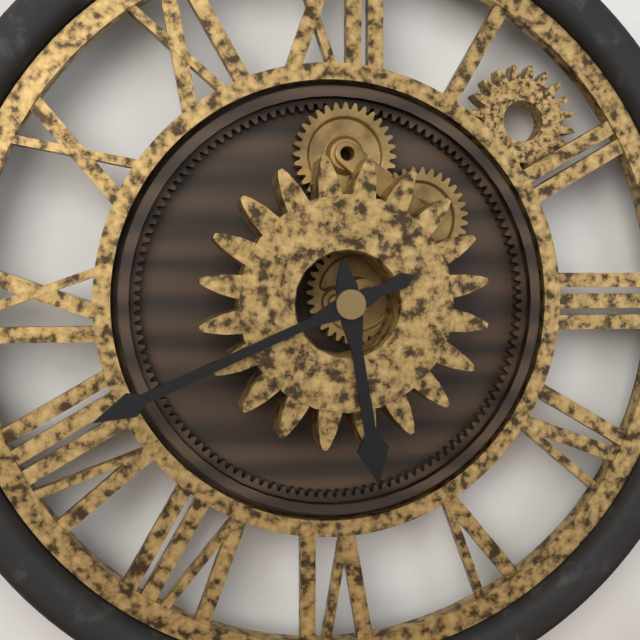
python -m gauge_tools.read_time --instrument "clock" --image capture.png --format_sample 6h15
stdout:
5h41
